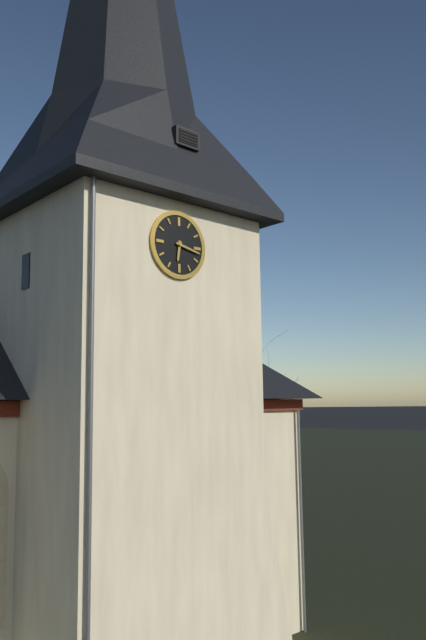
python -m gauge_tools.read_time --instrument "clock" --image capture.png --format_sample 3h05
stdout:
6h17
